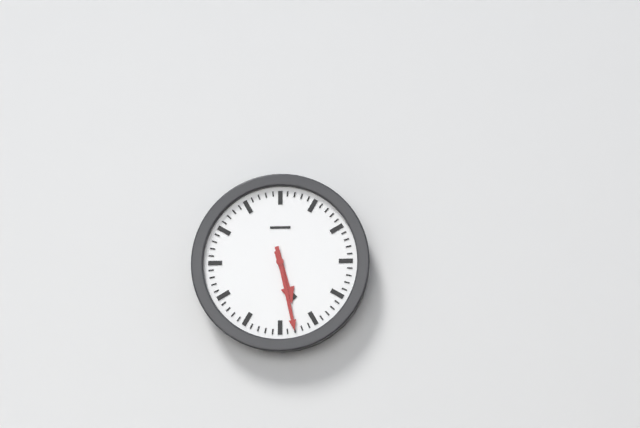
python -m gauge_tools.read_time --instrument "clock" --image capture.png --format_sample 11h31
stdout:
5h28
